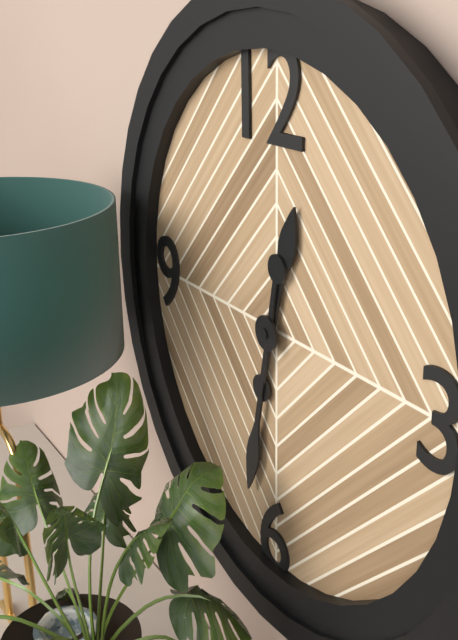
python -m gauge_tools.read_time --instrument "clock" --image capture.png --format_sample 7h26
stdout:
12h32
